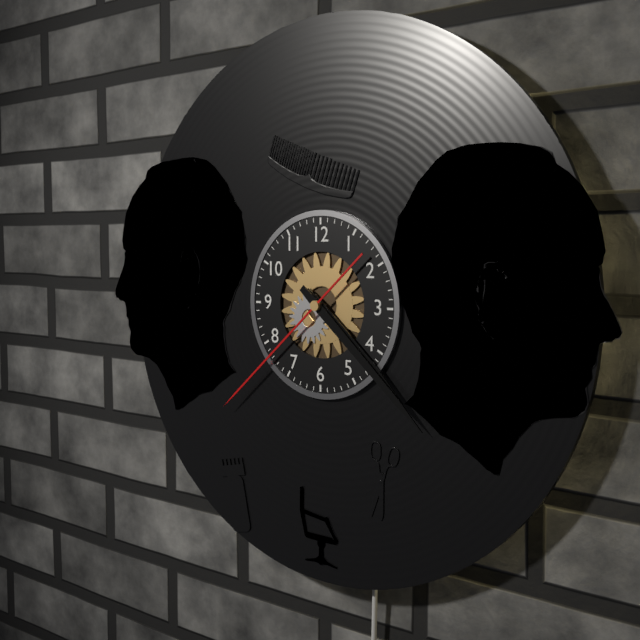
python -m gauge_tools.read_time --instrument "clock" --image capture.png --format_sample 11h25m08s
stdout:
4h22m38s
